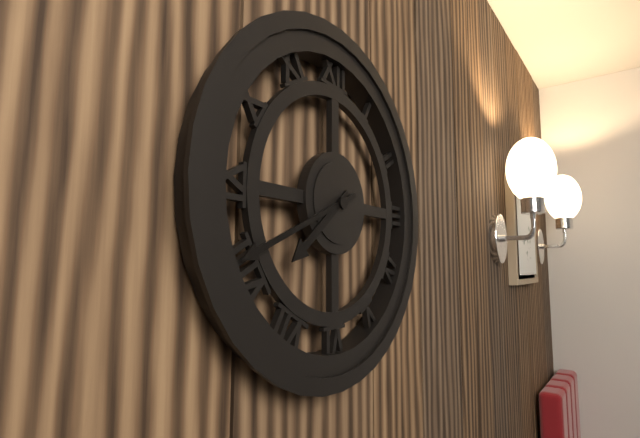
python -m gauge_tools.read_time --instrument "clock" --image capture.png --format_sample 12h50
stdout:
7h41
